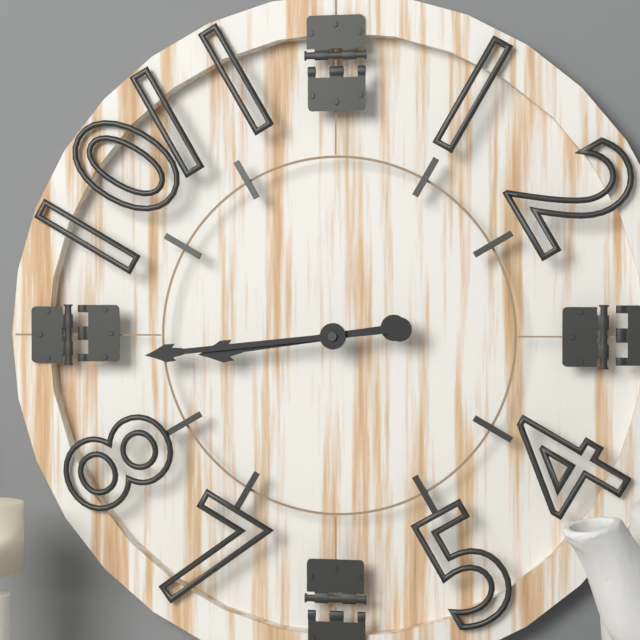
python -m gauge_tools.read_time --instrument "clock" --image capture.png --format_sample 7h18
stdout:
8h44
